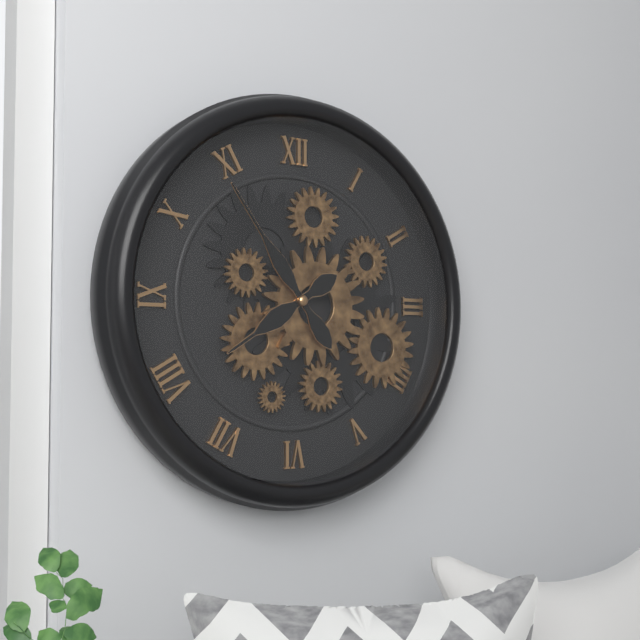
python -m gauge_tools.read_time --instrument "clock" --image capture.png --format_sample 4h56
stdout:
7h54
